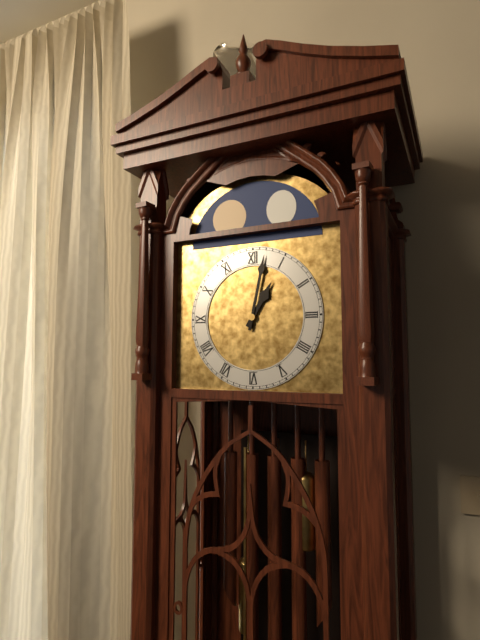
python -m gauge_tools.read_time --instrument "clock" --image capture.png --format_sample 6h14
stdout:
1h02
